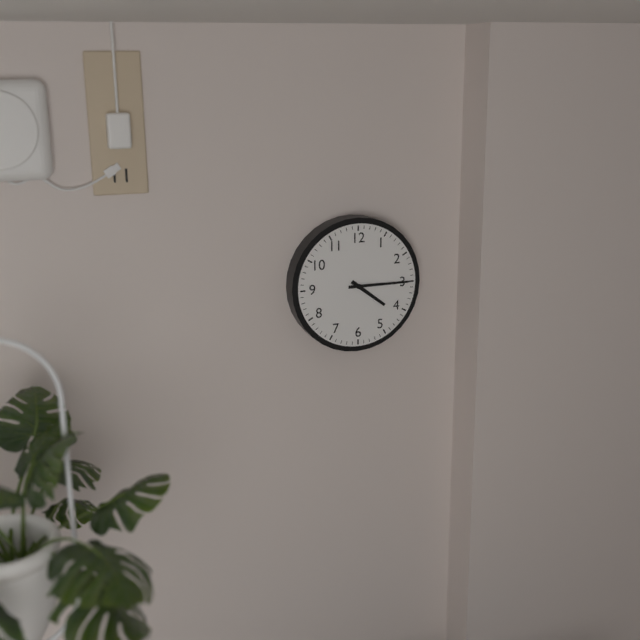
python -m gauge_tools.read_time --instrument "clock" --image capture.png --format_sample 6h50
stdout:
4h15
